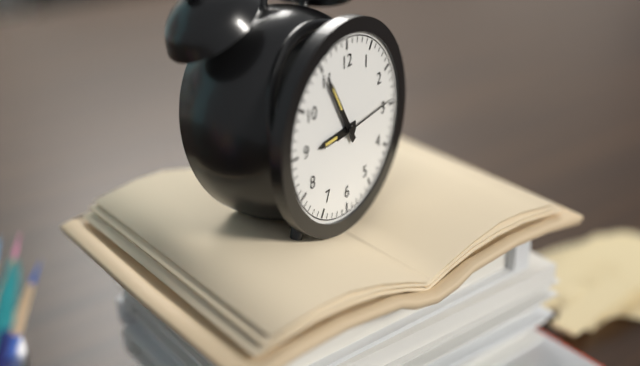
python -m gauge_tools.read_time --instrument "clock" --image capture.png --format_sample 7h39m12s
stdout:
8h55m14s
